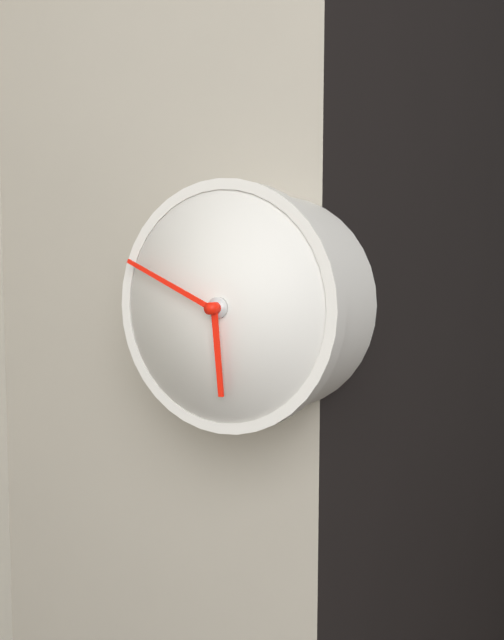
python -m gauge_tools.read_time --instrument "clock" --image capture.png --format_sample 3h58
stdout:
5h49
